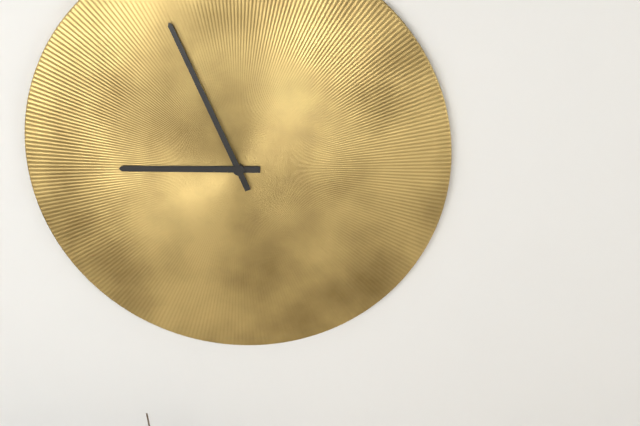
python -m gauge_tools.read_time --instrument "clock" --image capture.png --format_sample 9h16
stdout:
8h56
